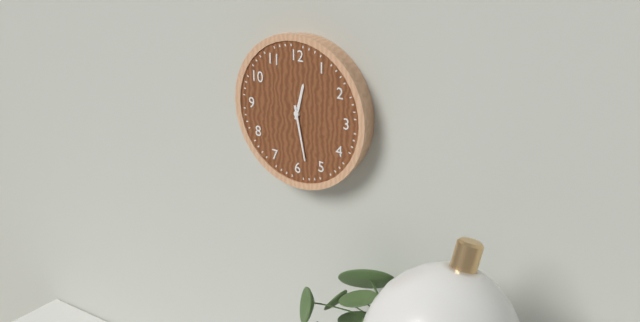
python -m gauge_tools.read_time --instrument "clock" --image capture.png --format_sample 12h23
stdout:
12h28
